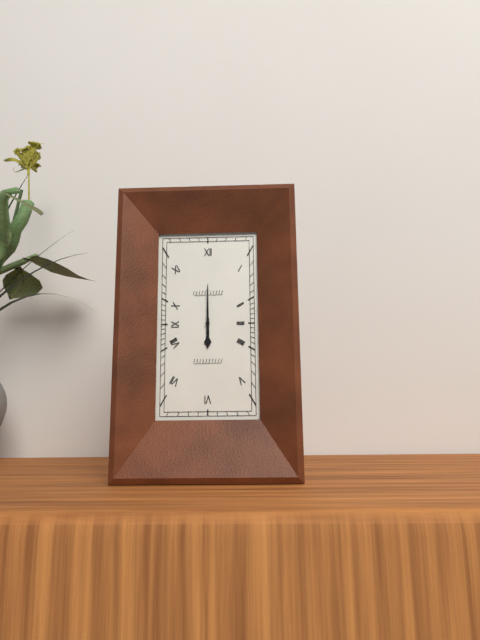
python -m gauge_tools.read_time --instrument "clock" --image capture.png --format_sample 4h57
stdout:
6h00
